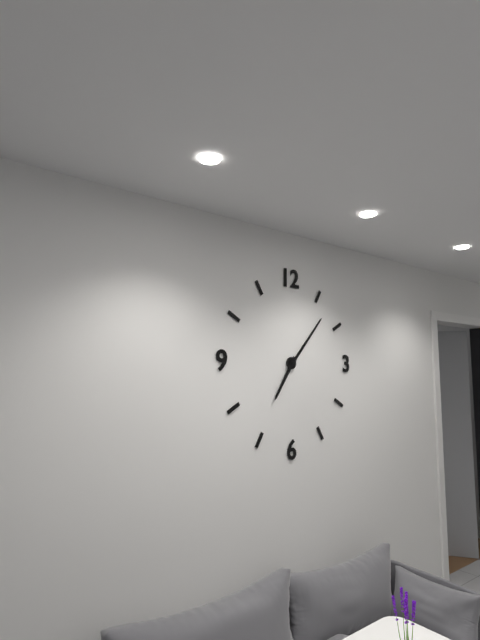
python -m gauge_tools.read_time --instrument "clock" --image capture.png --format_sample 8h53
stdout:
7h07
